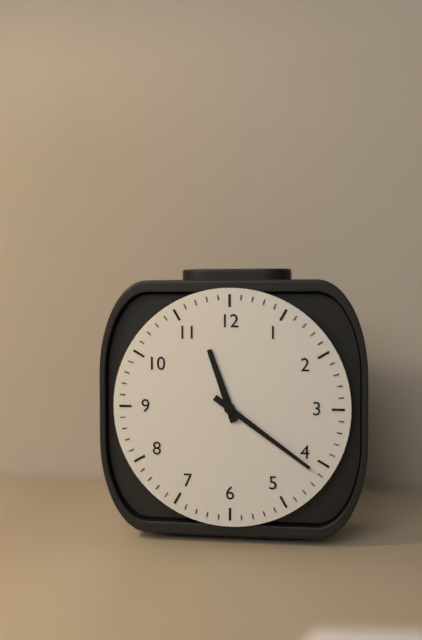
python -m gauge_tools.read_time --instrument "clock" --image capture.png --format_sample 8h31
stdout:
11h21
